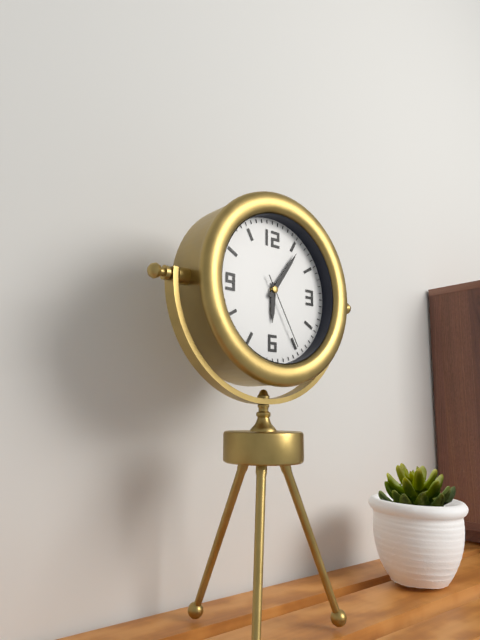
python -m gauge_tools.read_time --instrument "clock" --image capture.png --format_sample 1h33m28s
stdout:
6h06m25s
